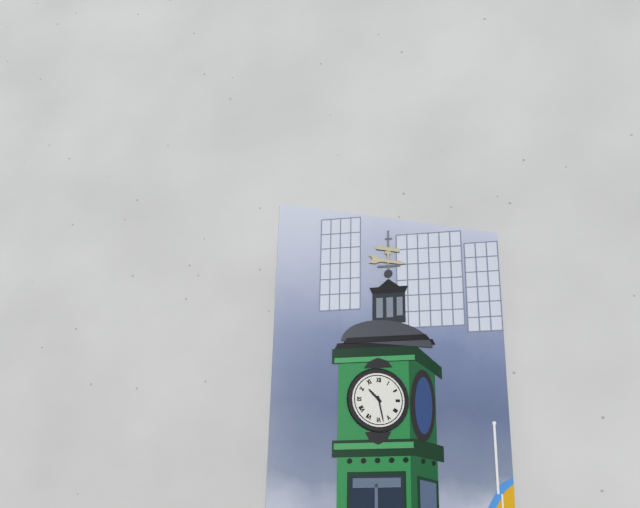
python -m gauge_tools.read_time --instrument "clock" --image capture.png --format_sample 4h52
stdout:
10h28
